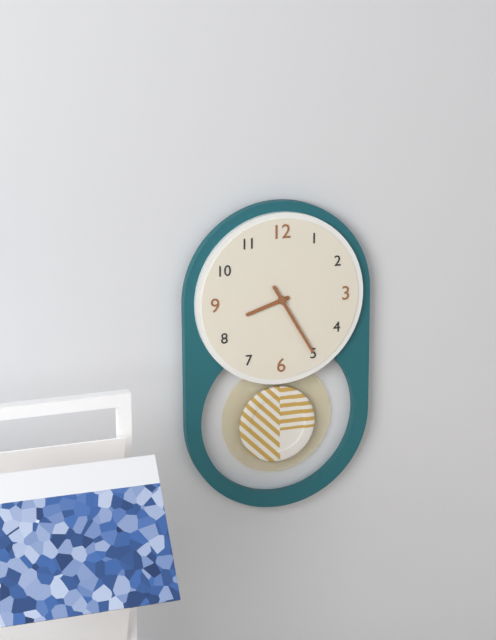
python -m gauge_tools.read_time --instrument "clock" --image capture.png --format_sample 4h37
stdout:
8h25
